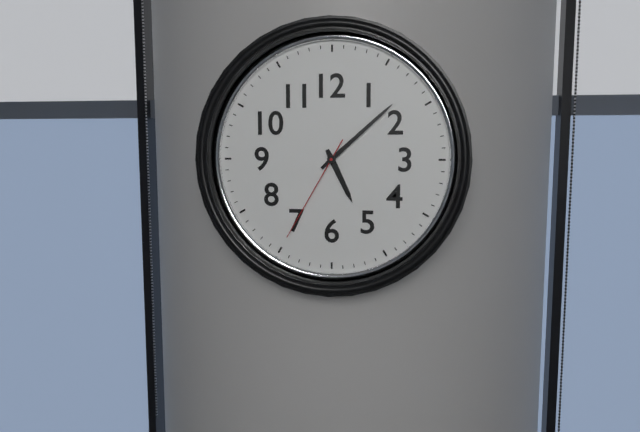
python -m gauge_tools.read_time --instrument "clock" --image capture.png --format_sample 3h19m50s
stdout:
5h08m35s
